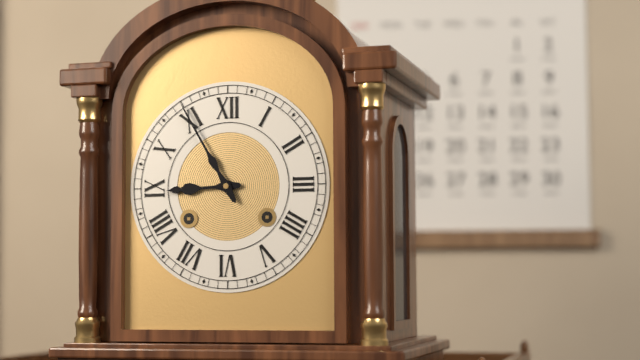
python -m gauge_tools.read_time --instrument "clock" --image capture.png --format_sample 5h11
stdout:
8h55
